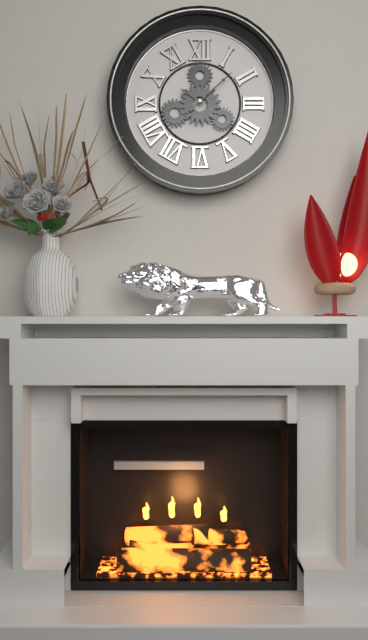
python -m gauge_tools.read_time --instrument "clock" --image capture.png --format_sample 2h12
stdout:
10h08
